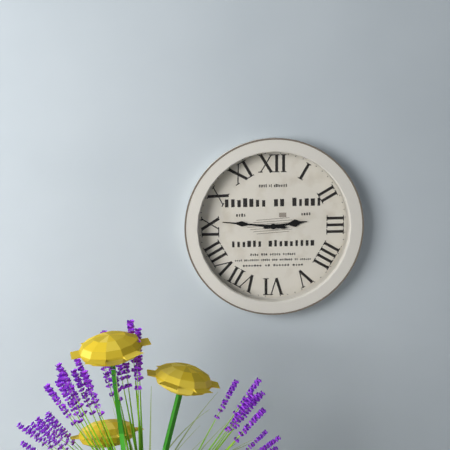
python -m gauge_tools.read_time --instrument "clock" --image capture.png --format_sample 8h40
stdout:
2h46
